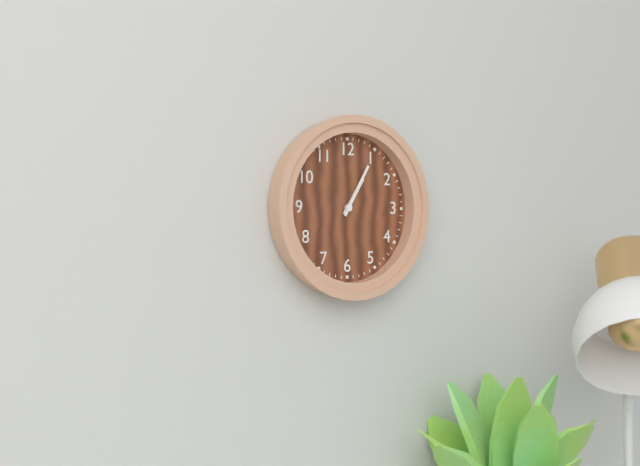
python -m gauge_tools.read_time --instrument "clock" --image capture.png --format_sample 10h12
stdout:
1h05
